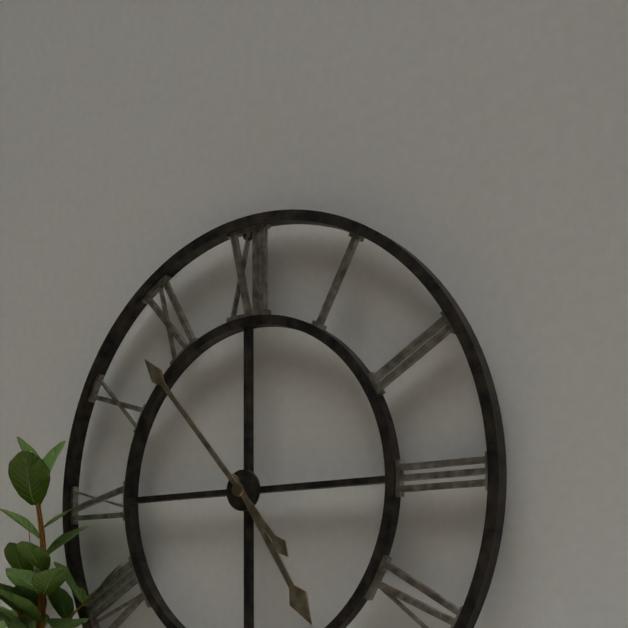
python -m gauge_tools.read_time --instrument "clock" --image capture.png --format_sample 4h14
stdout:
4h53
